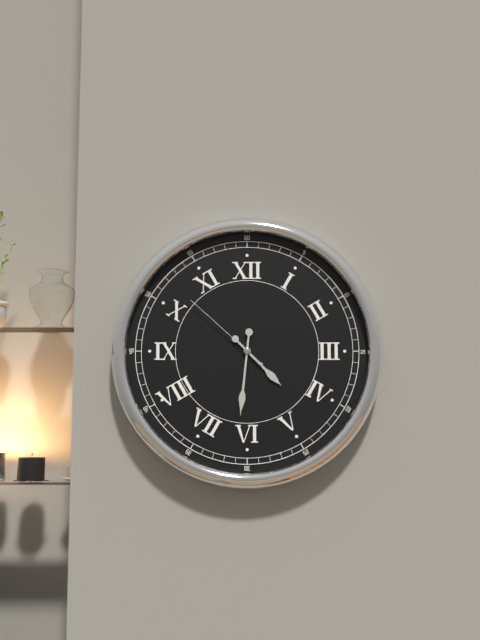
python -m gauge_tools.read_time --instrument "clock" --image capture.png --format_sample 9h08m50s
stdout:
4h31m52s
